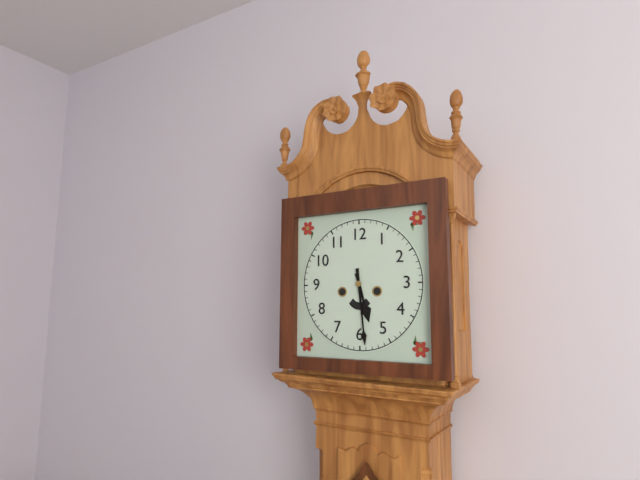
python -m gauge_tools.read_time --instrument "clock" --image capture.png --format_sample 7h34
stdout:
5h29
